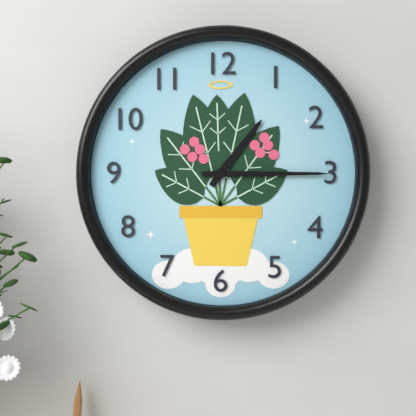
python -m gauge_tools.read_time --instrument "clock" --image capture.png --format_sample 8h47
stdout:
1h15
